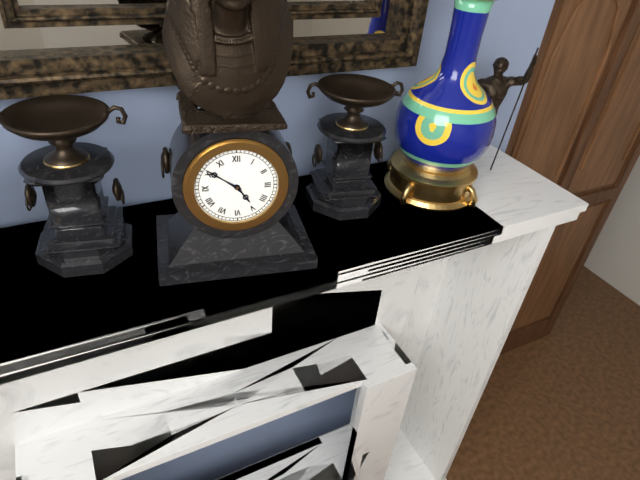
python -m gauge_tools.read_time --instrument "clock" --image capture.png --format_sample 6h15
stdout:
4h51
